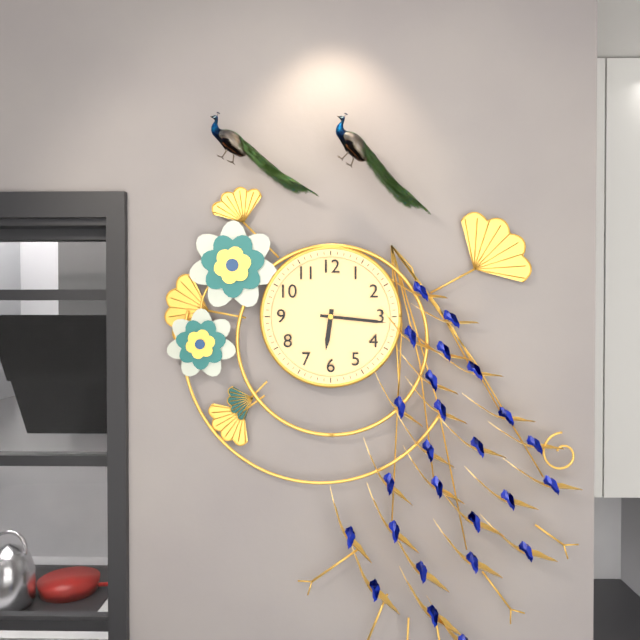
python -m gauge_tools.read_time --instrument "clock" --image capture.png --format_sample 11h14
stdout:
6h16
